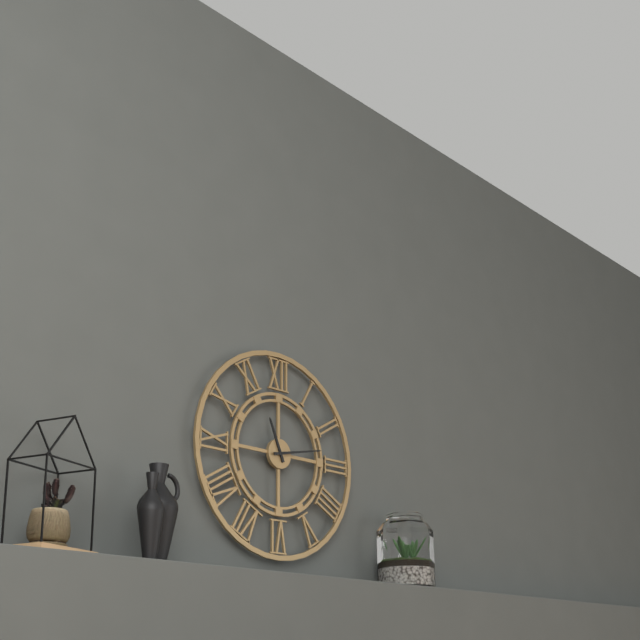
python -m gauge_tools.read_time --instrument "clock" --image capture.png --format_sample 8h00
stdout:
11h13
